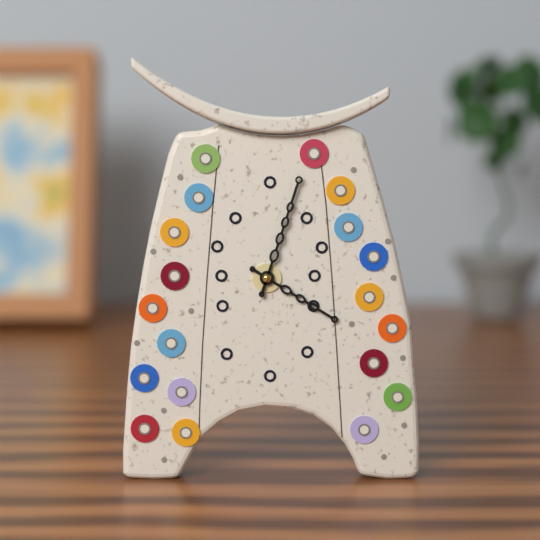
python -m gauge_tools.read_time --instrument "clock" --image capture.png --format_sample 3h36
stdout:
4h03
